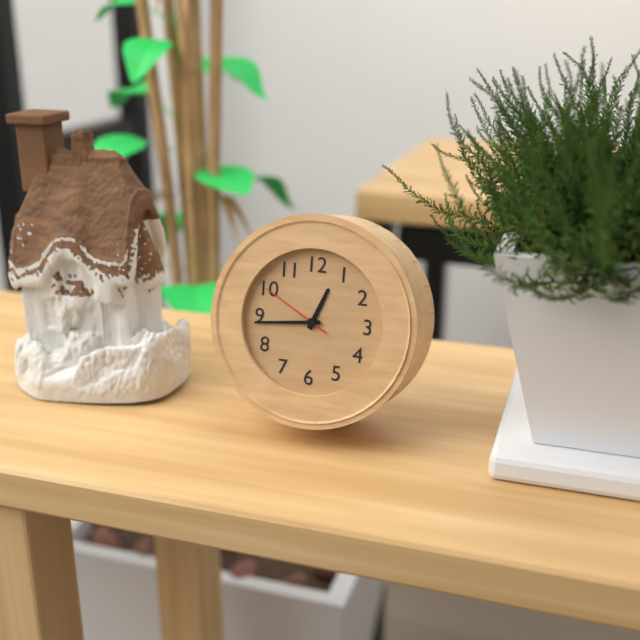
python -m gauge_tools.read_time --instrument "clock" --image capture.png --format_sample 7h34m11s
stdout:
12h44m50s
